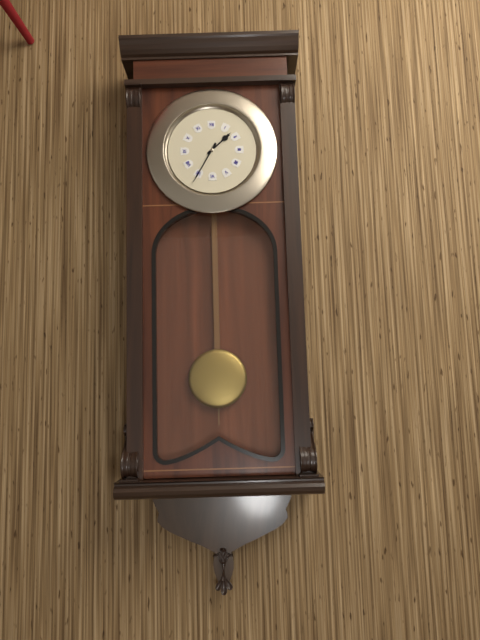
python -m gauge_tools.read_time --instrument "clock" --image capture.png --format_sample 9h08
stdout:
1h35
